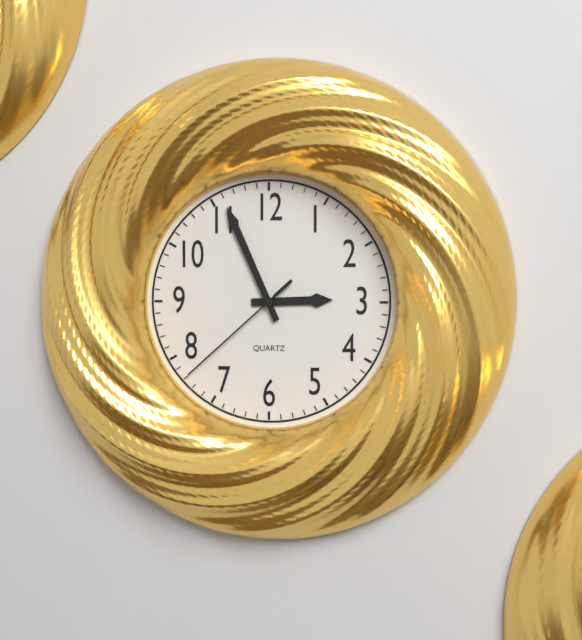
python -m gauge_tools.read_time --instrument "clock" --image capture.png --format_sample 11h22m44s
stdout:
2h56m38s
